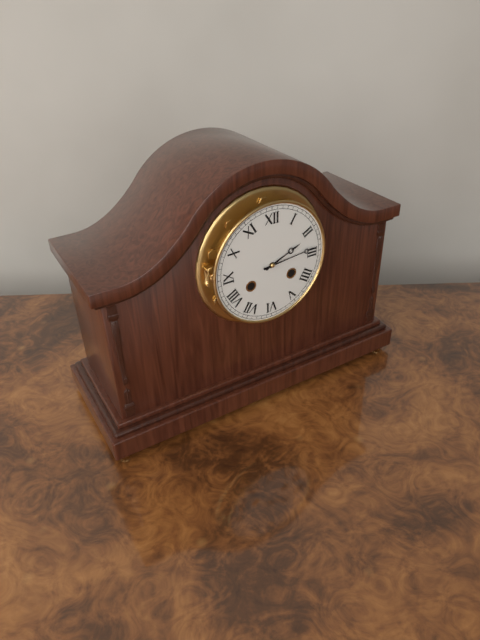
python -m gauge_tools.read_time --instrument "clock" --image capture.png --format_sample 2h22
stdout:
2h14
